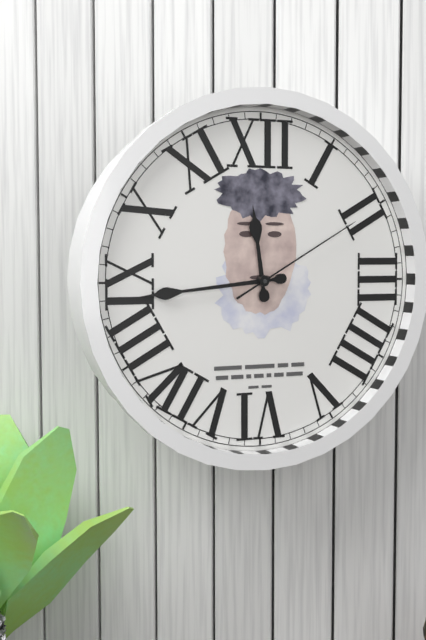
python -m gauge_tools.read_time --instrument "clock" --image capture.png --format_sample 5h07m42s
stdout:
11h44m10s
